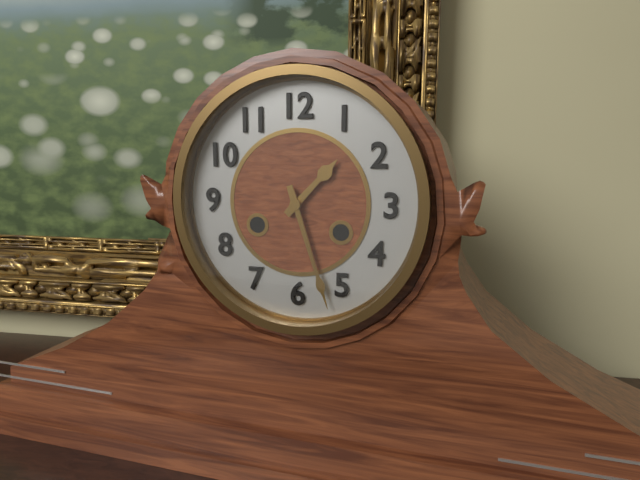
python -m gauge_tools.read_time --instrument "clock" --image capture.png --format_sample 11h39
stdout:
1h27
